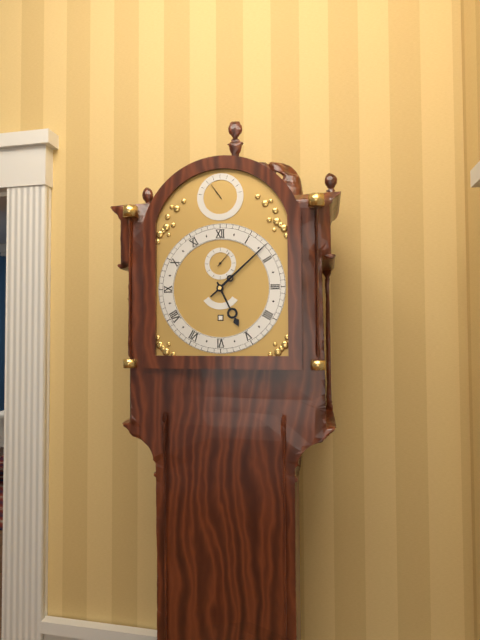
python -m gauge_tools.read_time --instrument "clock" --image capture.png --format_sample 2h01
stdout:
5h08
